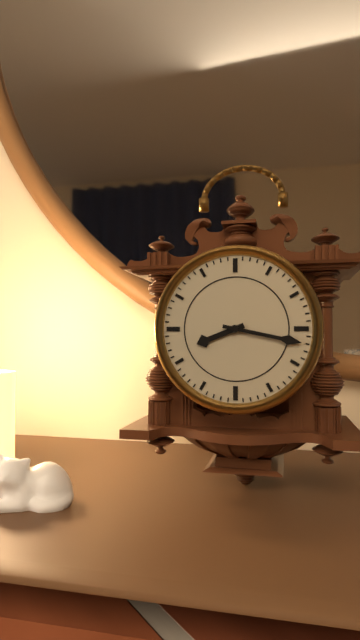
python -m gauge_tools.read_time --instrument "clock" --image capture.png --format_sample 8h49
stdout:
8h17
